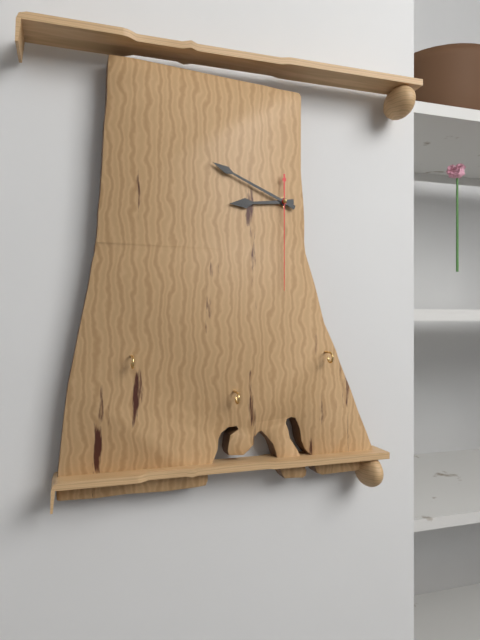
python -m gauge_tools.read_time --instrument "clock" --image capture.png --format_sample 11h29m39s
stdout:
8h49m30s
